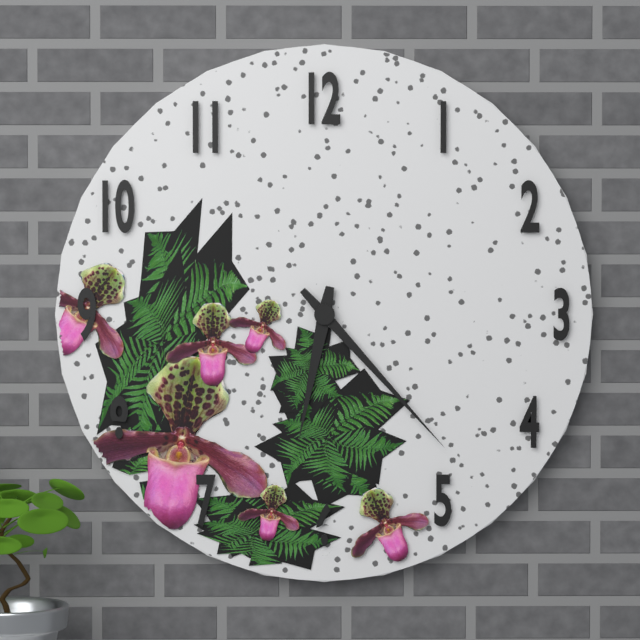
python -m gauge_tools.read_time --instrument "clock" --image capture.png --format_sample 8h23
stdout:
6h23
